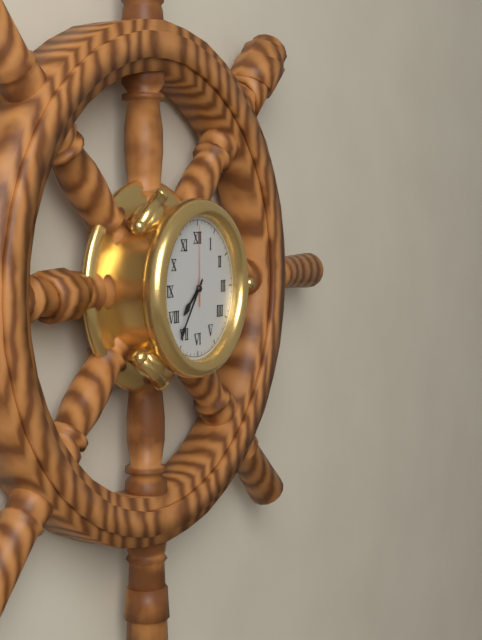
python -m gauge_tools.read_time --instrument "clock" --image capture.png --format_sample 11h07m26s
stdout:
7h36m00s
